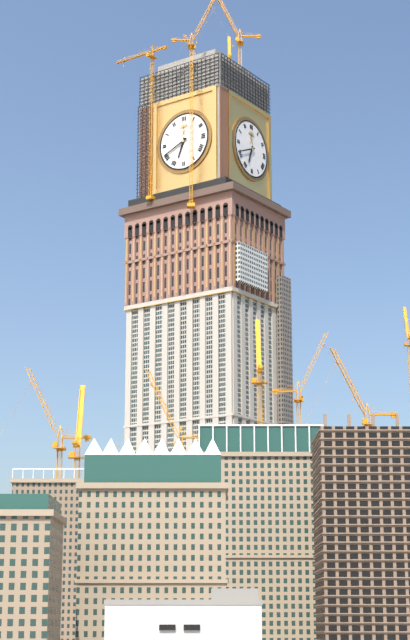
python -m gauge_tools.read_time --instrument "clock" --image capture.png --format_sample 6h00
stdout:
6h41
